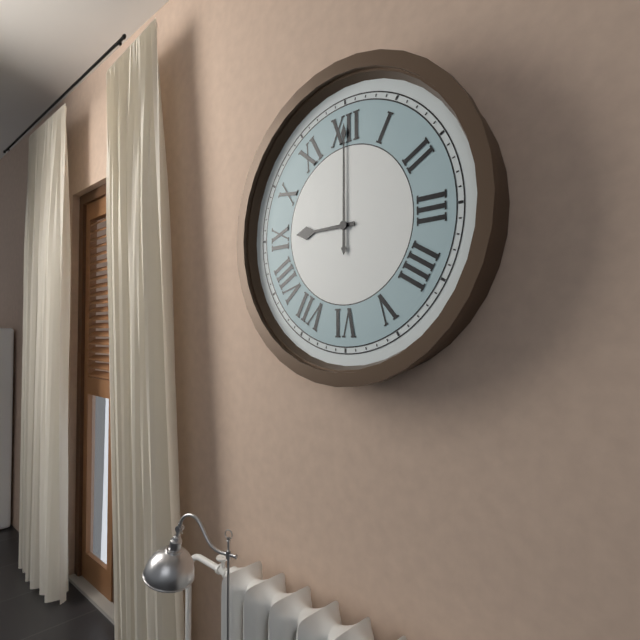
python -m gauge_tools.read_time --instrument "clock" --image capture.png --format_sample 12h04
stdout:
9h00
